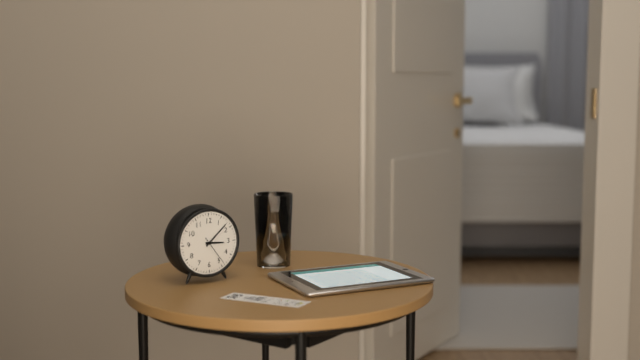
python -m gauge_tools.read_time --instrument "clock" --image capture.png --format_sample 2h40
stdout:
3h08
